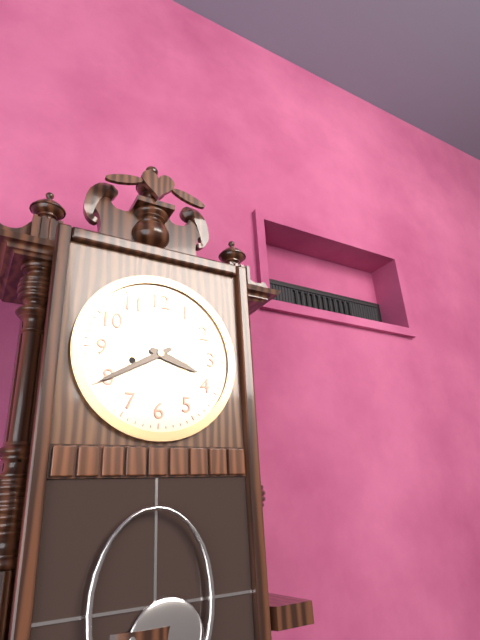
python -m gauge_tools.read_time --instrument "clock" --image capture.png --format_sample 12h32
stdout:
3h40
